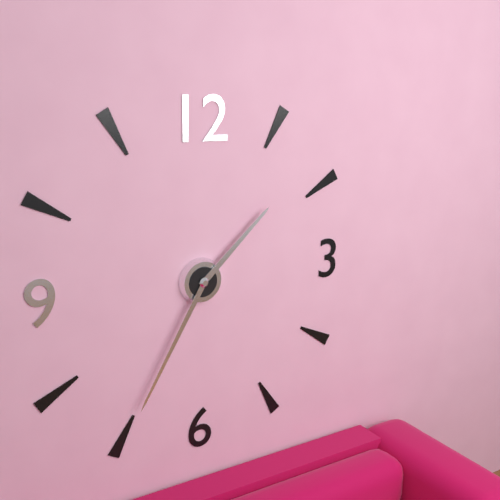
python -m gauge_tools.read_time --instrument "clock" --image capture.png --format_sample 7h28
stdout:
1h35
